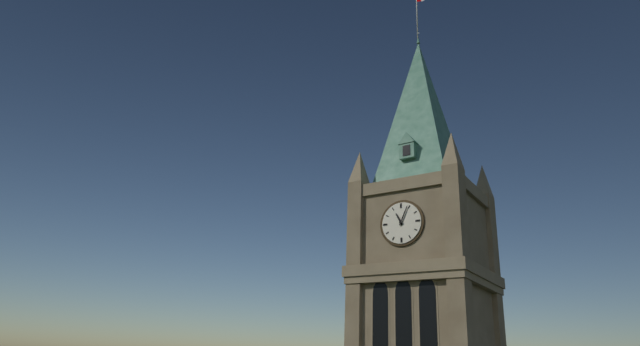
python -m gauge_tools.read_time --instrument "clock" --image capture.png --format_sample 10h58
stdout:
11h04
